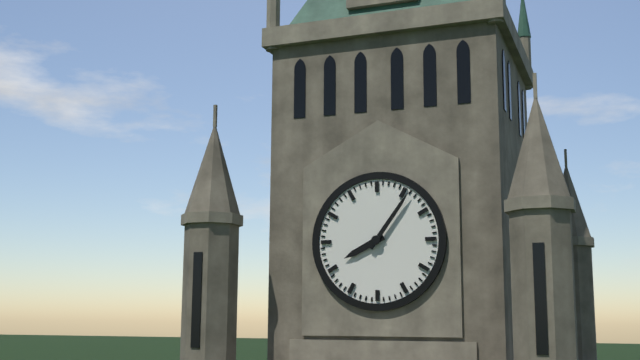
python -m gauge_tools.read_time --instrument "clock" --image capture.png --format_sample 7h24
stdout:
8h06
